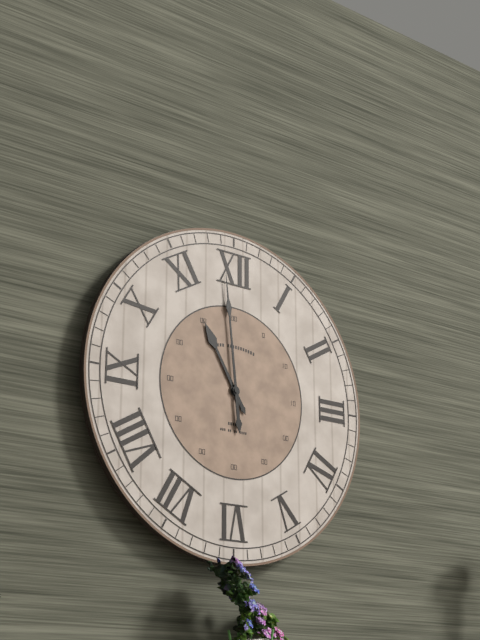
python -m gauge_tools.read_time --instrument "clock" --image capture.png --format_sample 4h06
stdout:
10h59
